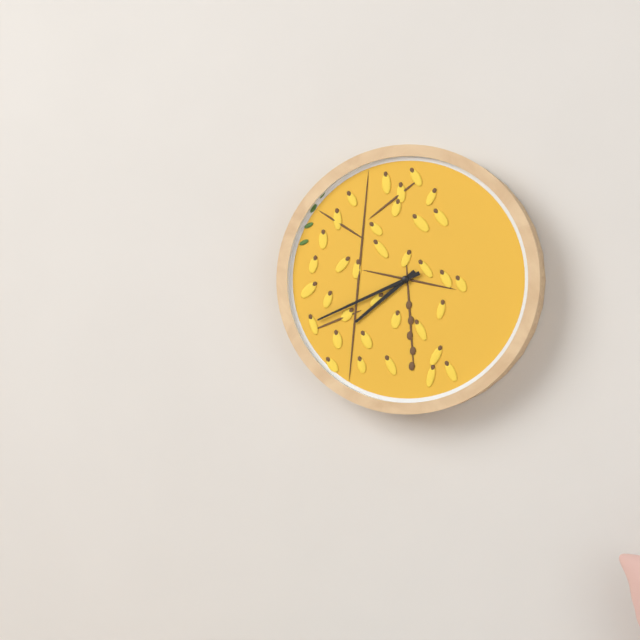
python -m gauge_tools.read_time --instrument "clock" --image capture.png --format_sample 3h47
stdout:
7h41
